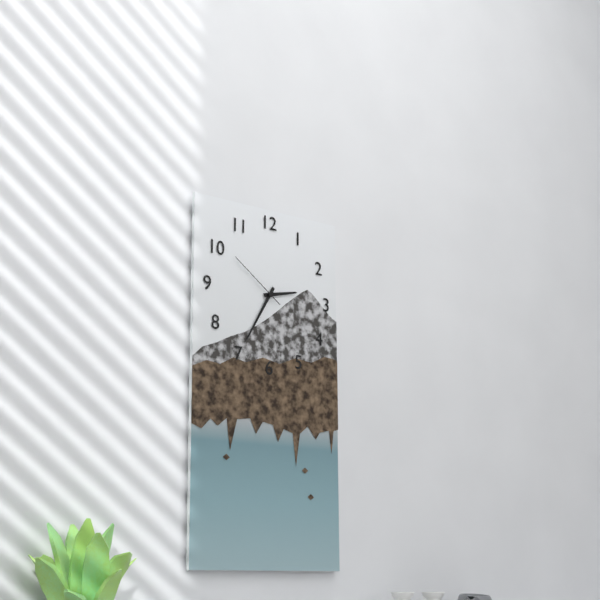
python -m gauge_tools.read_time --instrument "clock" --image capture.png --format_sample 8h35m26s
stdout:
2h35m51s
